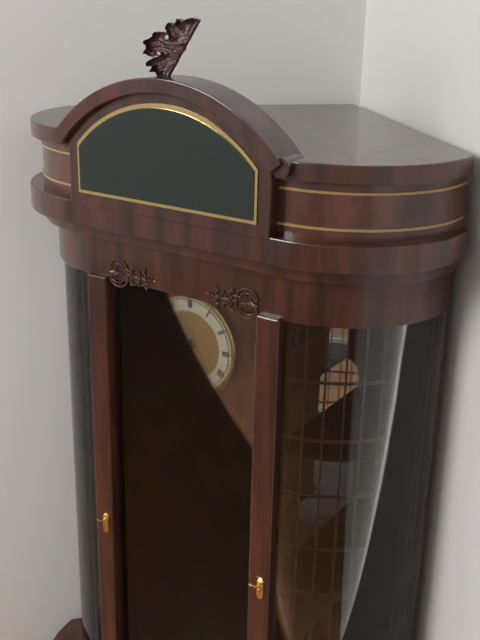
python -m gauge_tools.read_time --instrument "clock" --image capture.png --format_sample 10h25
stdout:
6h44
